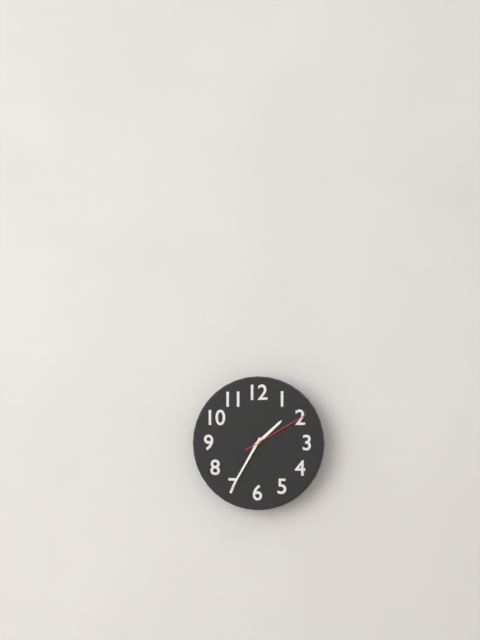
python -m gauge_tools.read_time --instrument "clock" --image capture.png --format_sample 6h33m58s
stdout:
1h35m10s
